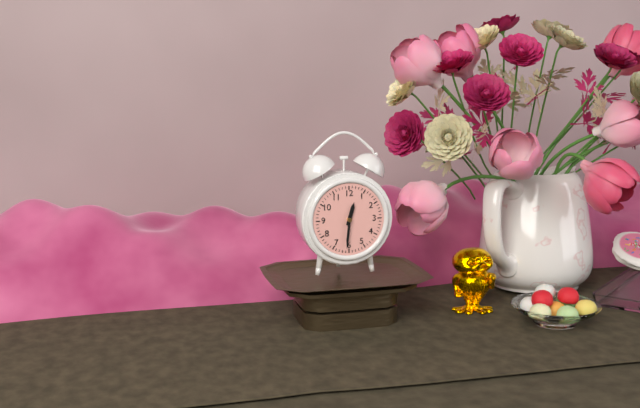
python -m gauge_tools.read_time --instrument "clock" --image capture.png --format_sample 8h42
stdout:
12h31
